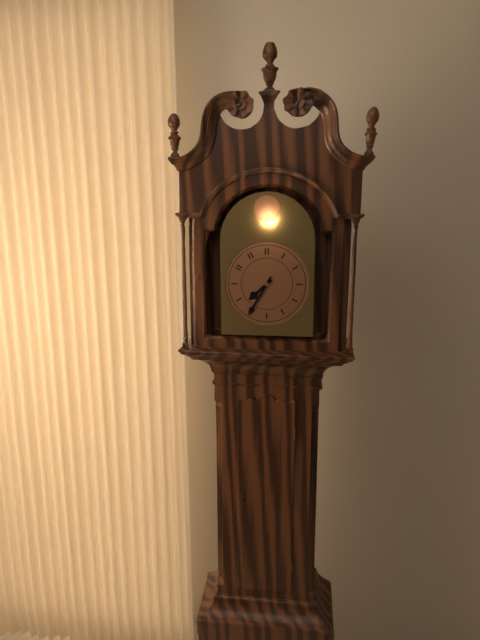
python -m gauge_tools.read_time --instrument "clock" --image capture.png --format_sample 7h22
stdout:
7h35
